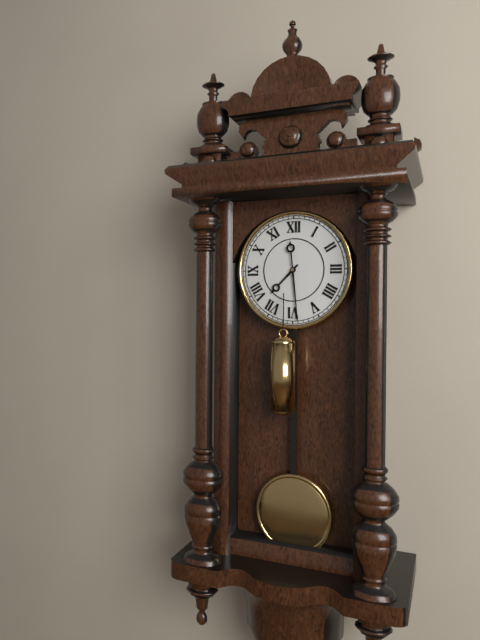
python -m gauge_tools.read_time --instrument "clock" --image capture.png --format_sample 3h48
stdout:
7h29
